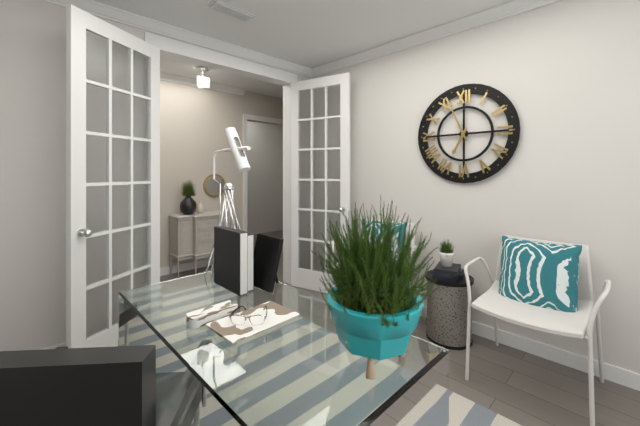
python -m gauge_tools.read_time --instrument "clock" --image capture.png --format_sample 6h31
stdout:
6h56
